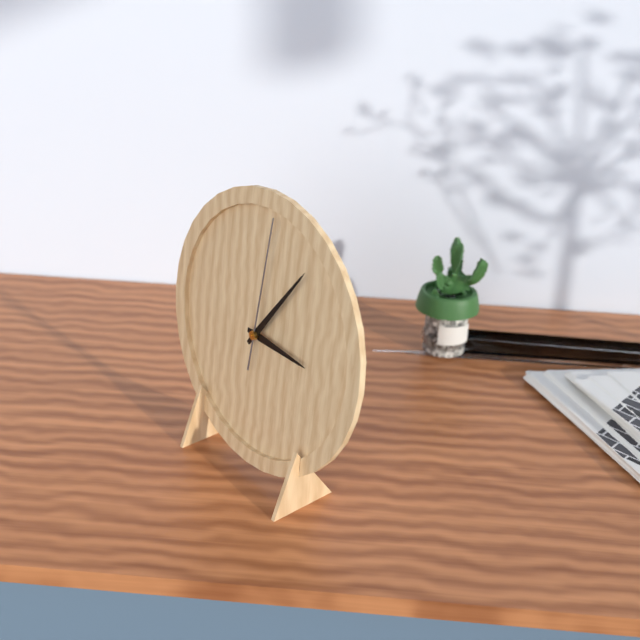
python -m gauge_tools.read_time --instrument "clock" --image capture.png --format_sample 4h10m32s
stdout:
3h06m01s
